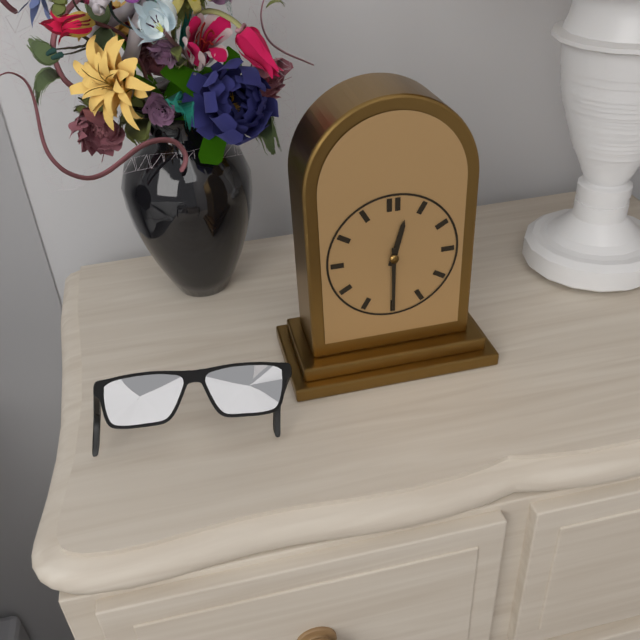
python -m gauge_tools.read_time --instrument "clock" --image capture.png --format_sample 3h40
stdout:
12h30
